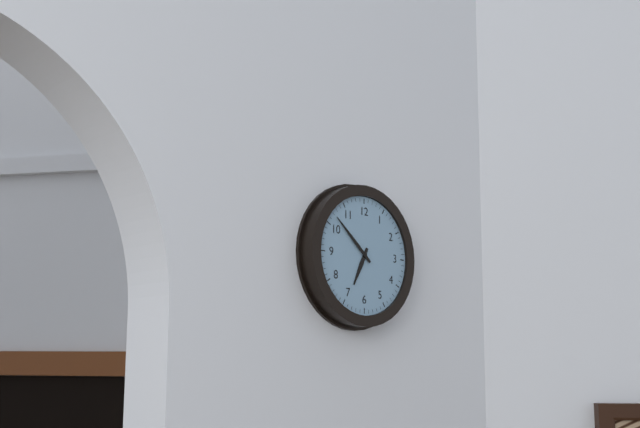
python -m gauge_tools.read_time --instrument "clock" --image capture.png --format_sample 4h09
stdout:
6h52
